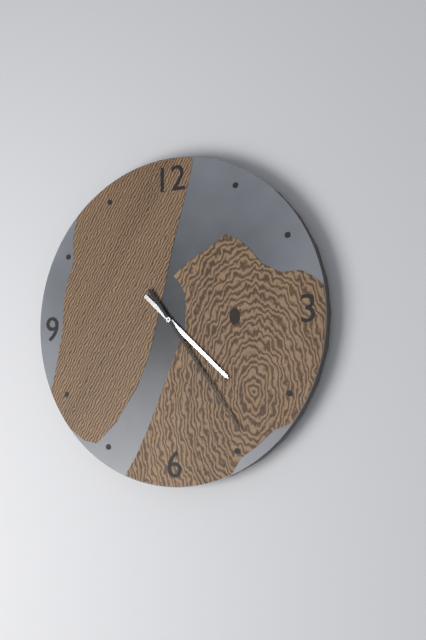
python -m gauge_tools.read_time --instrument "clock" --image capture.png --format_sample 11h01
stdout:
4h24
